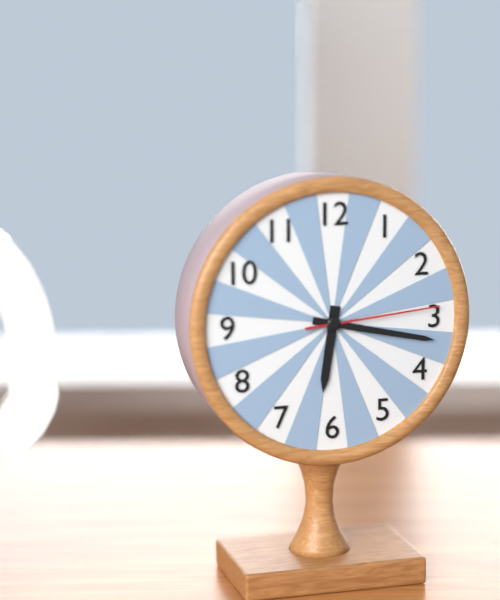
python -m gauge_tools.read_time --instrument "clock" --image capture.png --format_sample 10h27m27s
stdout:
6h17m14s
